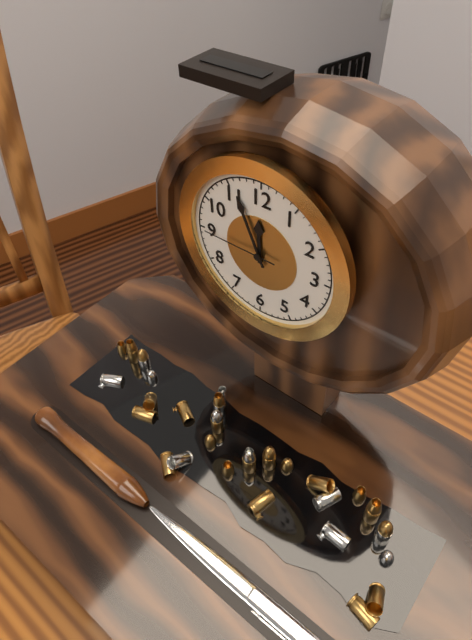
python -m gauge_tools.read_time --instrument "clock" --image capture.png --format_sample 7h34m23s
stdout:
11h56m45s
